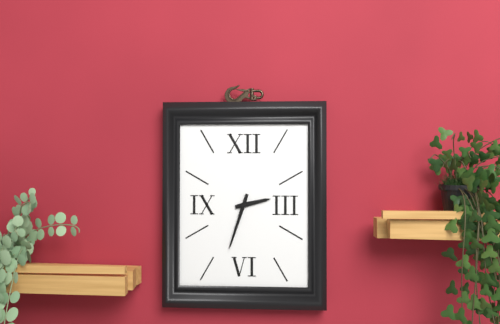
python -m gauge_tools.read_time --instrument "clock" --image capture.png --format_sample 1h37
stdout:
2h33
